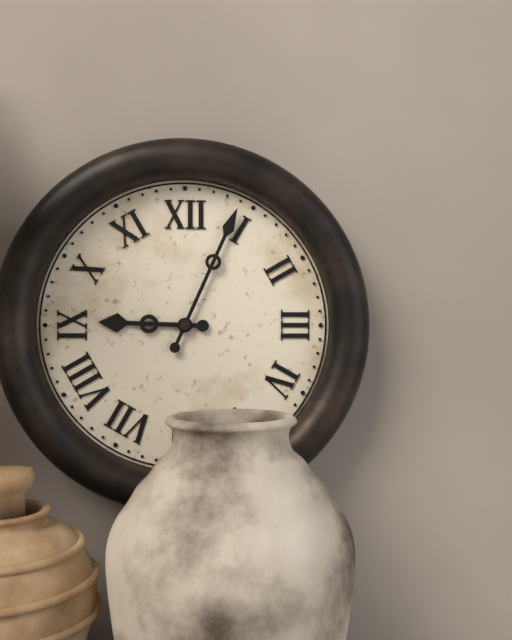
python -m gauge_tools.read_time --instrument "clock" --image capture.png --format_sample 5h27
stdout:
9h04
